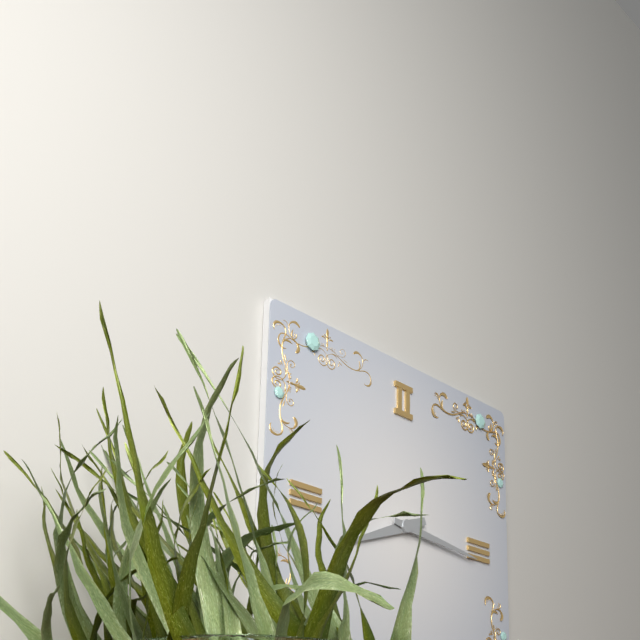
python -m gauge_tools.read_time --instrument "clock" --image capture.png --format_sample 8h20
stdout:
8h16
